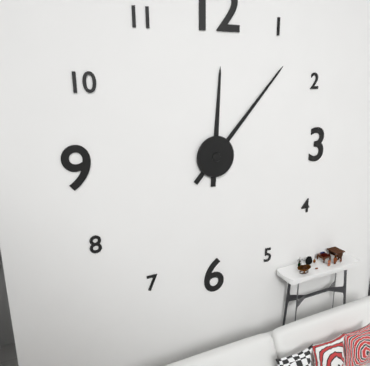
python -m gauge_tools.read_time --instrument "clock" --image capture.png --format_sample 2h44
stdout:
12h07
